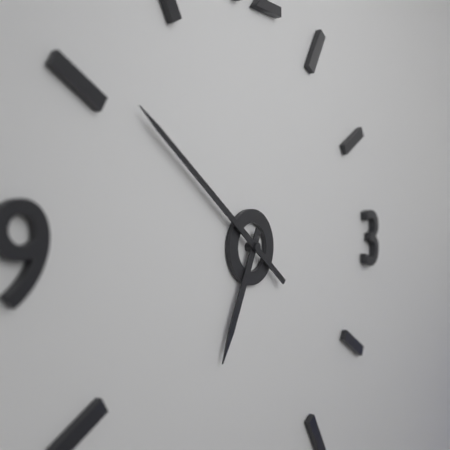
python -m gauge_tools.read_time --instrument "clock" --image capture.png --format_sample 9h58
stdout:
6h51
